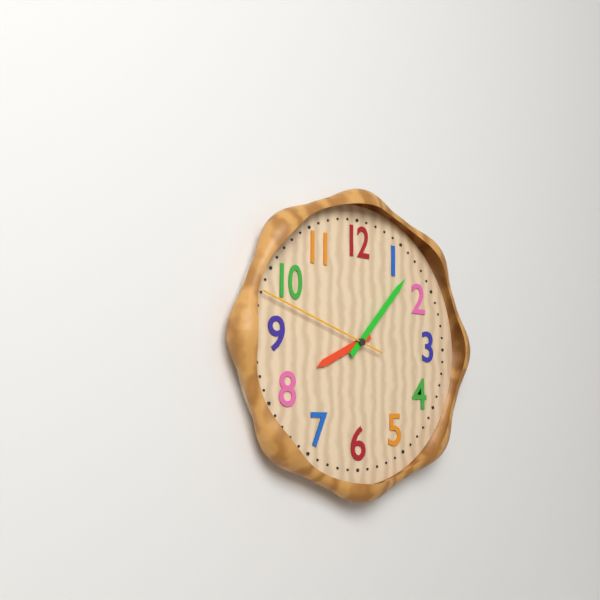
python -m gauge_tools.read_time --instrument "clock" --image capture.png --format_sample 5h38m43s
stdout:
8h07m48s
